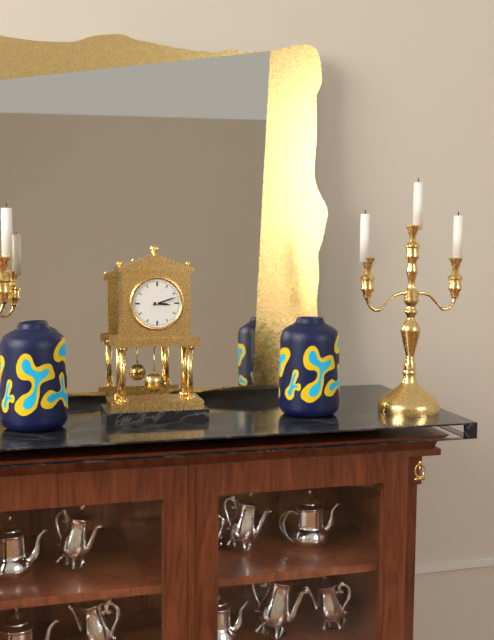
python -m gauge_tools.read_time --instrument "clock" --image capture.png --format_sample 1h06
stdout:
3h12
